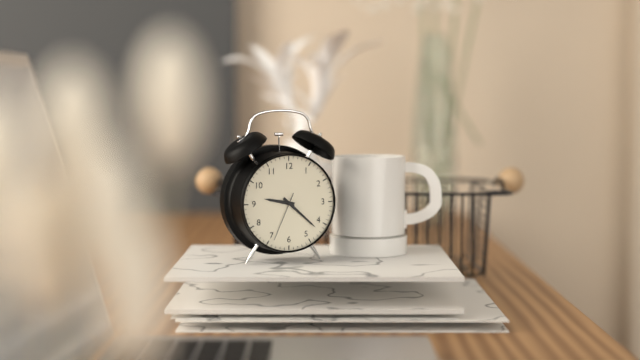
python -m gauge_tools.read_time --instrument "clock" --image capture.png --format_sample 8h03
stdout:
9h22
